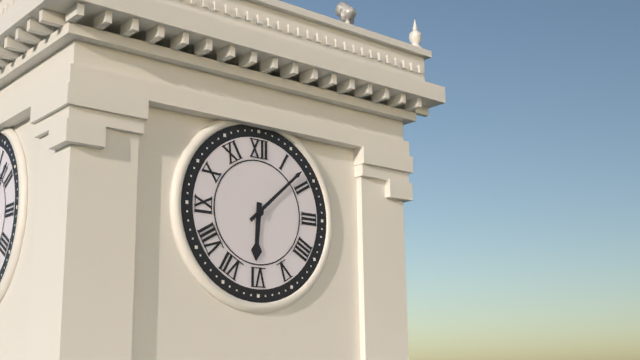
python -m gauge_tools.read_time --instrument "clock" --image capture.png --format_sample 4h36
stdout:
6h08
